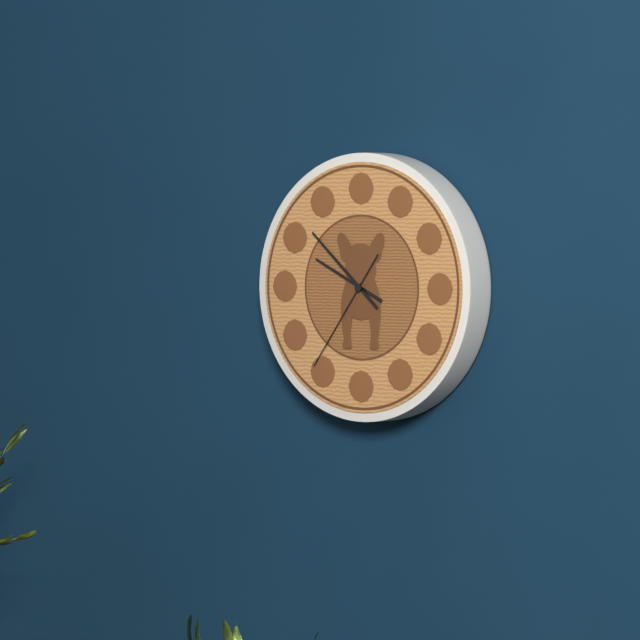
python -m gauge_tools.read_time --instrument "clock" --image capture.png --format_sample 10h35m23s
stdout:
9h52m36s
